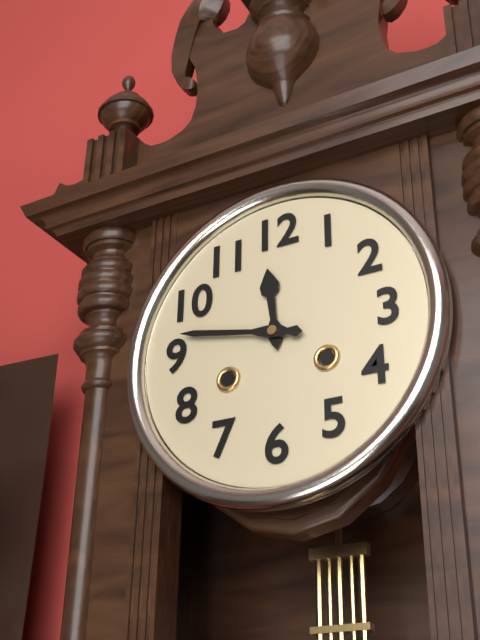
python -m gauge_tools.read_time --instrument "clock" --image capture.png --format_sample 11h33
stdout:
11h47
